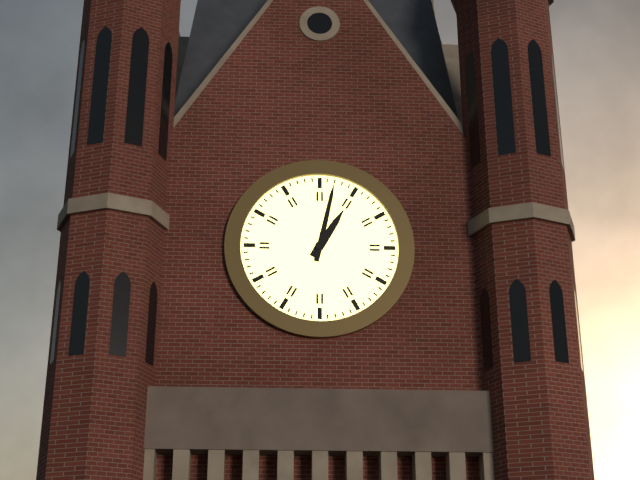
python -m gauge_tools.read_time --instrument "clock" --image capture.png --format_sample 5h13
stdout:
1h02
